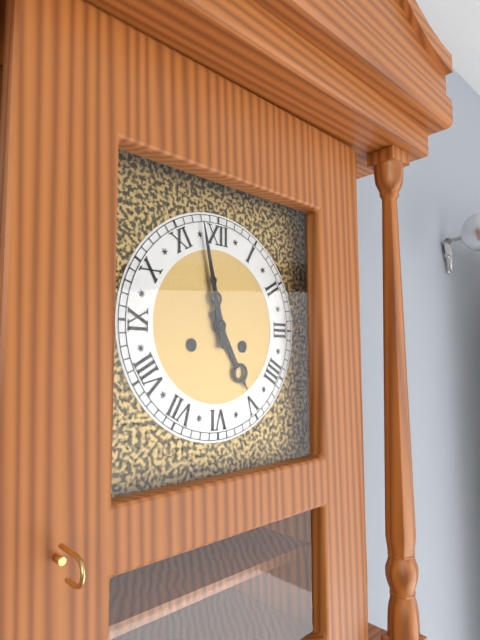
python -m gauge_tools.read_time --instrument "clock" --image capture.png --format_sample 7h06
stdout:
4h58
